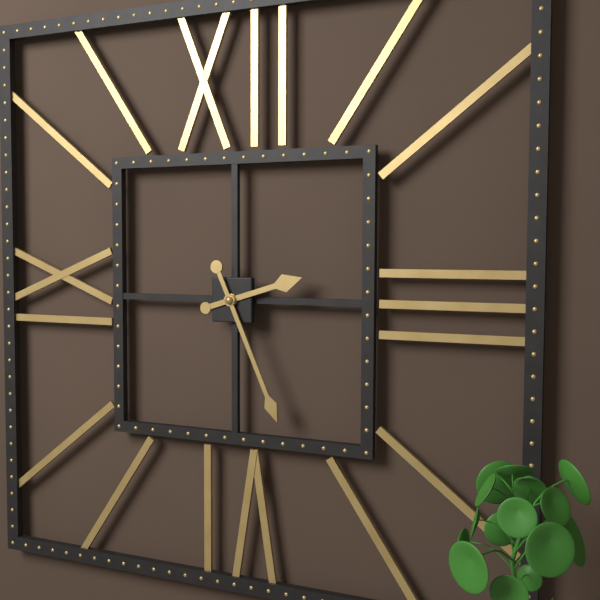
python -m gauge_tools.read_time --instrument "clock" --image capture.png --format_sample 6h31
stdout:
2h26
